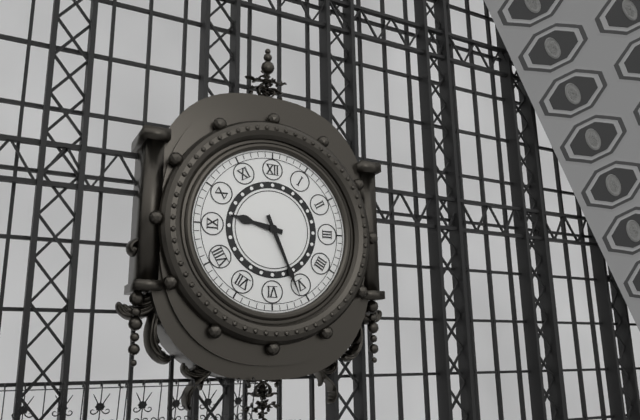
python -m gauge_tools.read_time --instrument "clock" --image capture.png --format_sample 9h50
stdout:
9h26
